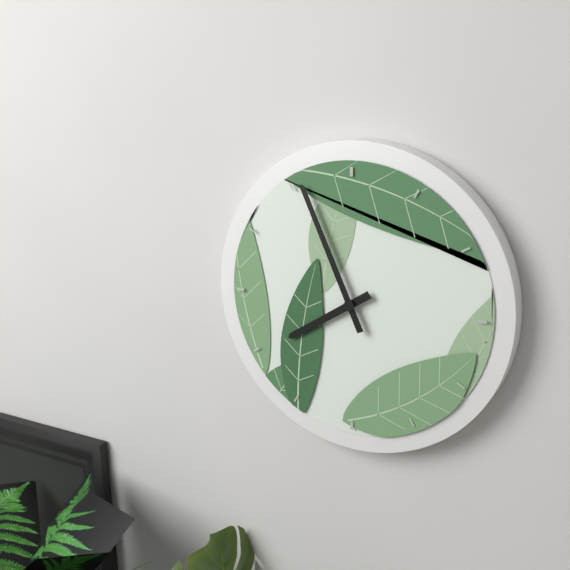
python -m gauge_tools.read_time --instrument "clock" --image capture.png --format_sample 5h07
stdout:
7h56
